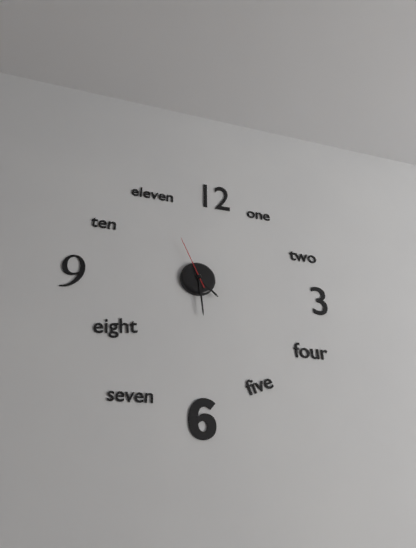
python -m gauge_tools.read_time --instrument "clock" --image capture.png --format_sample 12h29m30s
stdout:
4h29m56s
